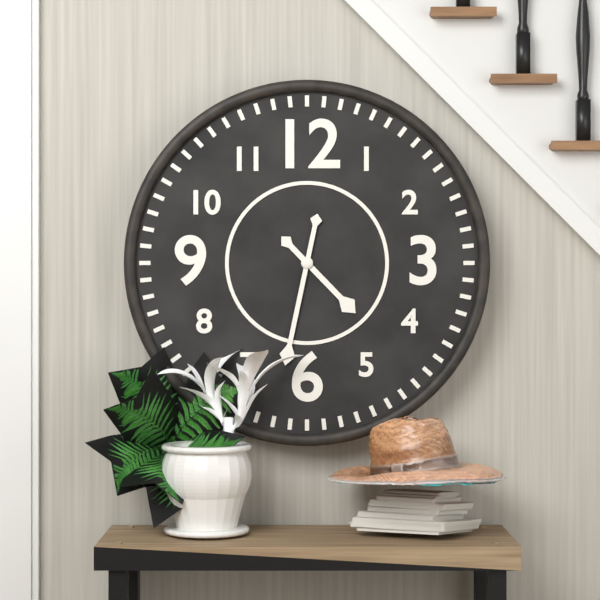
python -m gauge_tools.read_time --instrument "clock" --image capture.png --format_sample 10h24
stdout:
4h32
